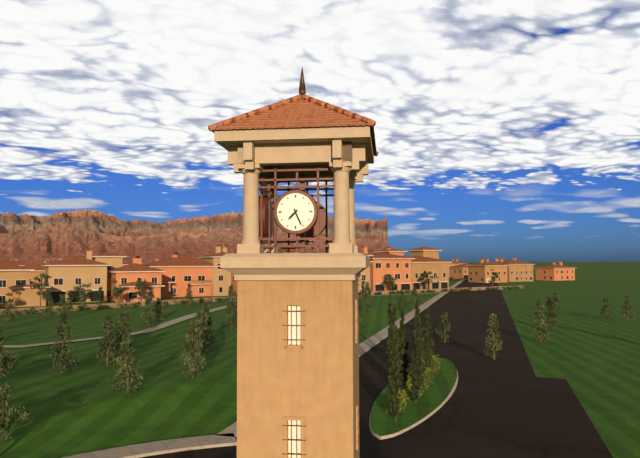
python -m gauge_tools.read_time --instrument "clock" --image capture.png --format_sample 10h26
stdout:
7h26
